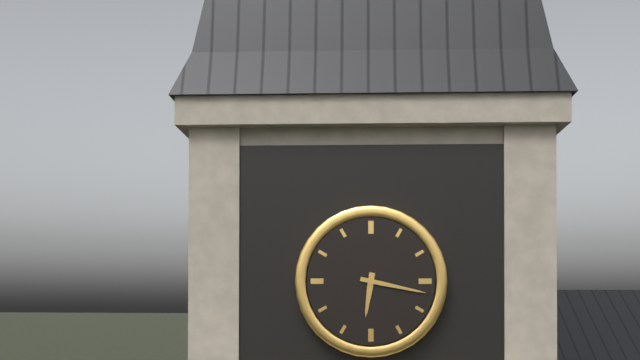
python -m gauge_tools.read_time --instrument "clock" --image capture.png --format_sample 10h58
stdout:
6h17
